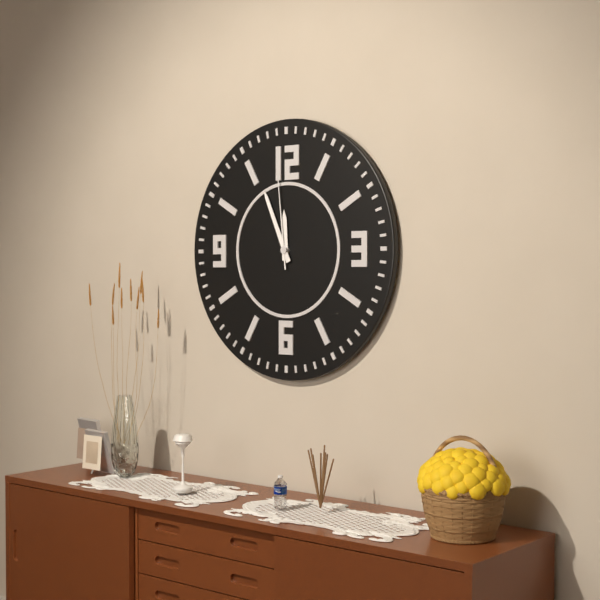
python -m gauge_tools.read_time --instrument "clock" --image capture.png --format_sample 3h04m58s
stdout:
11h56m59s
